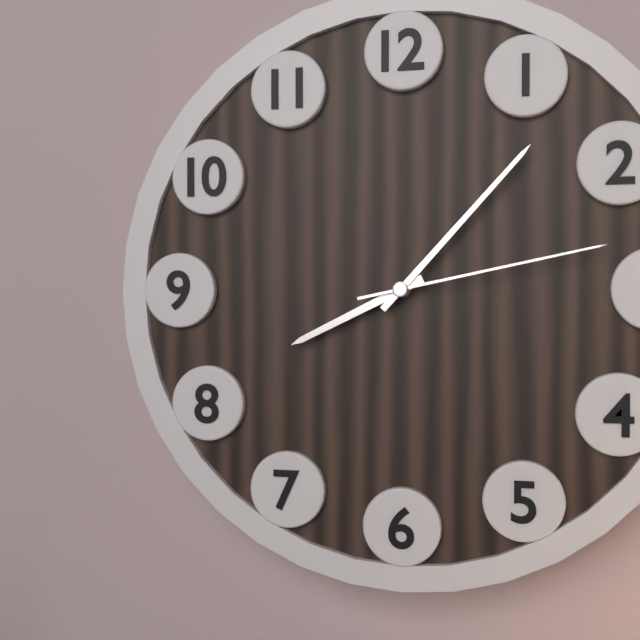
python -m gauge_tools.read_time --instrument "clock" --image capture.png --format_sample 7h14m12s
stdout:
8h07m13s
